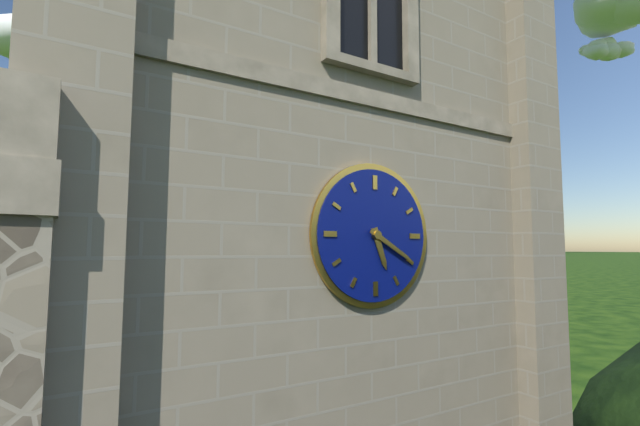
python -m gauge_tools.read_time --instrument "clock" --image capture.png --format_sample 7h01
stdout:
5h20
